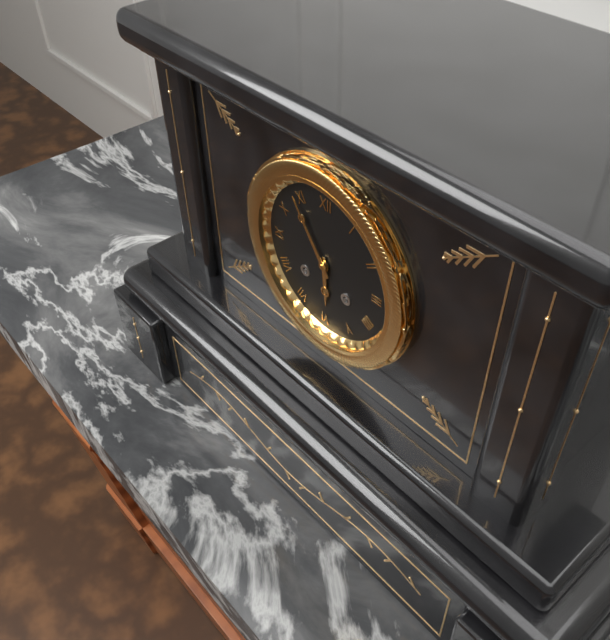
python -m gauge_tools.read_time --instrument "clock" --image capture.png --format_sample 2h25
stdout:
5h54
